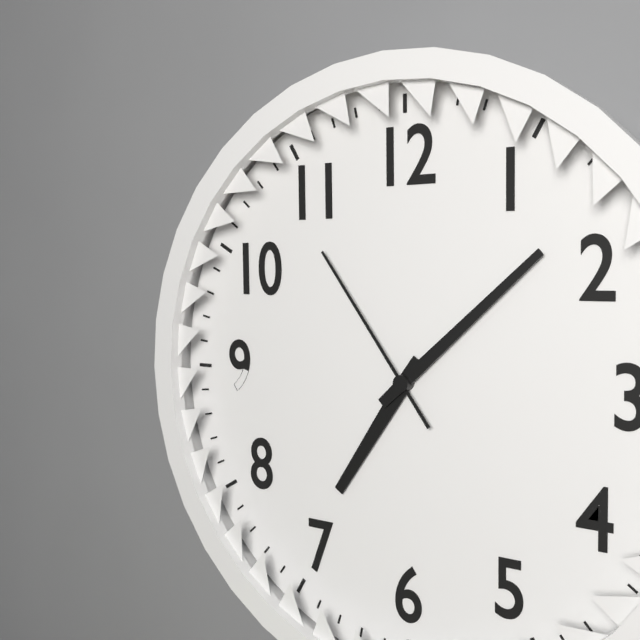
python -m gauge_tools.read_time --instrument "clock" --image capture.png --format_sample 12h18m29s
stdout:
7h08m54s
